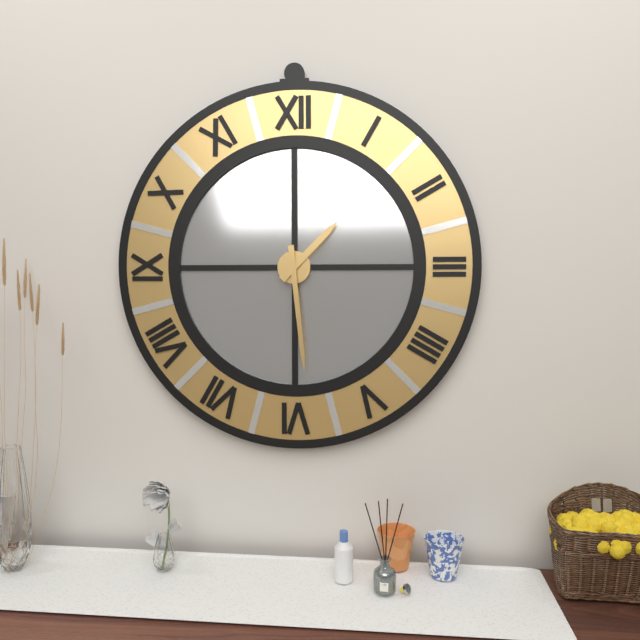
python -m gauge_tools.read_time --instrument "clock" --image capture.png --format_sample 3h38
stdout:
1h29
